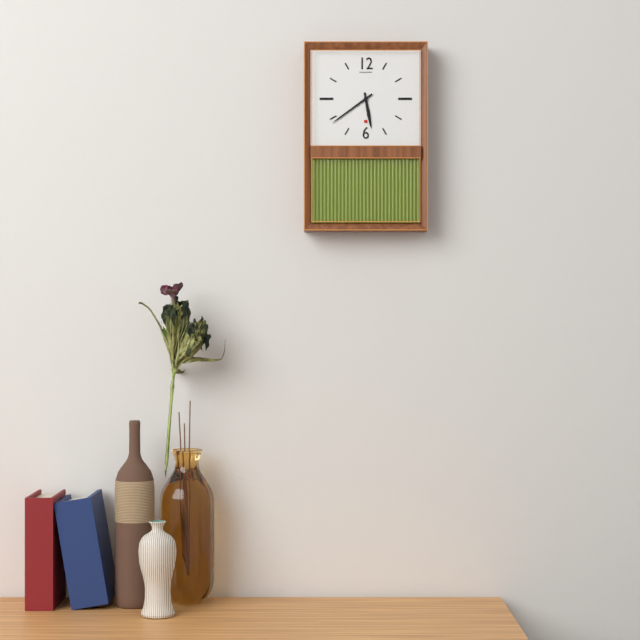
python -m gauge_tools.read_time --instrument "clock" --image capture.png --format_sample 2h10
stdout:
5h39
